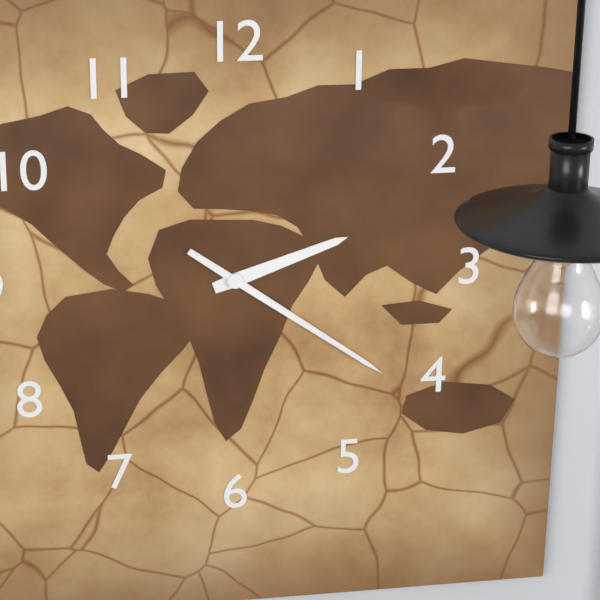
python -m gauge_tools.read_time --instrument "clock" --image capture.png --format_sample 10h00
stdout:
2h21
